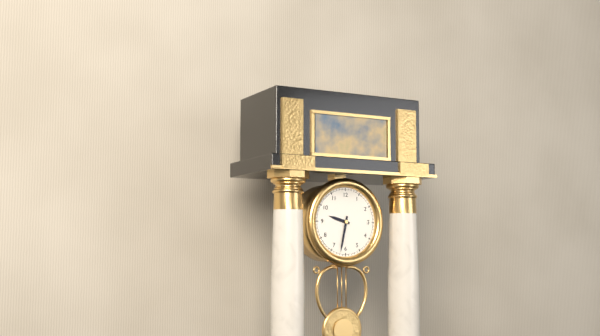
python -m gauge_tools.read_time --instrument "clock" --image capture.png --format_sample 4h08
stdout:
9h32
